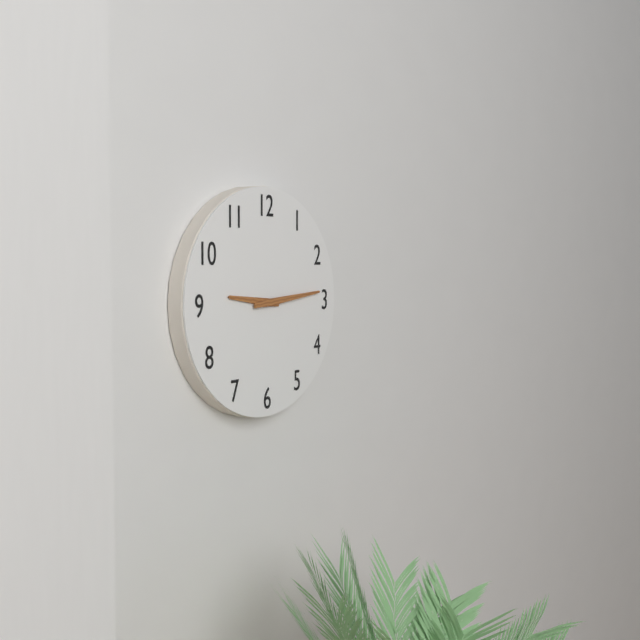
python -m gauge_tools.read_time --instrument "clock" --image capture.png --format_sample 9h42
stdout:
9h14
